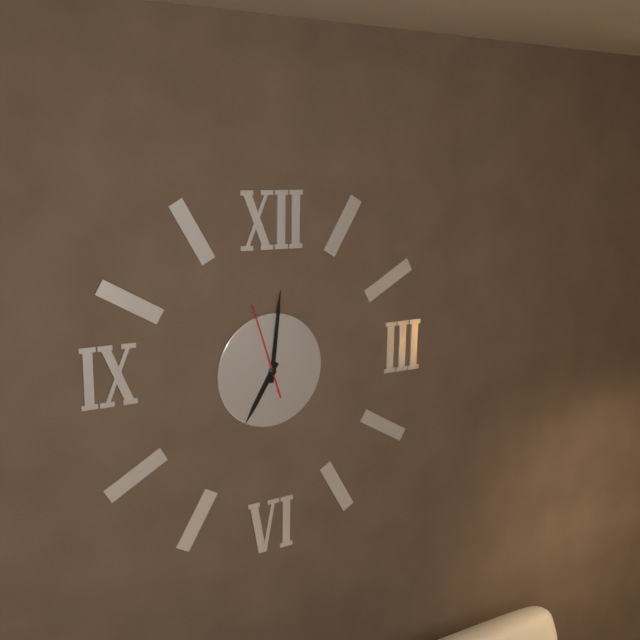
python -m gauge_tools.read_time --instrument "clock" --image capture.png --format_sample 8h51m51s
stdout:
7h01m57s
